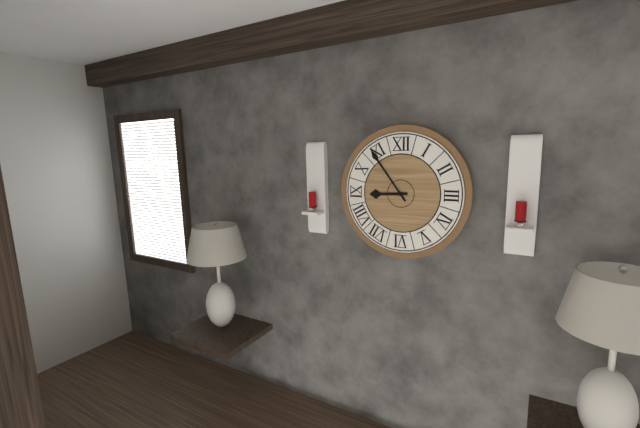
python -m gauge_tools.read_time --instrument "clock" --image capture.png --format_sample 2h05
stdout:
8h54
